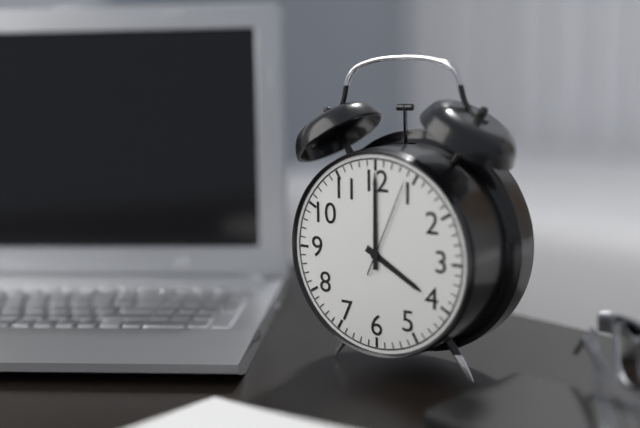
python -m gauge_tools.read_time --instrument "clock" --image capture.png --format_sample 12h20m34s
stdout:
4h00m04s
